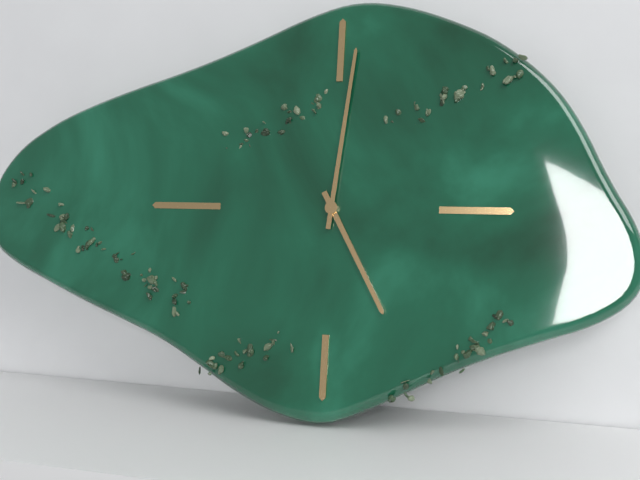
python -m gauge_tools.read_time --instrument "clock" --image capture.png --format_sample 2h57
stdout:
5h01
